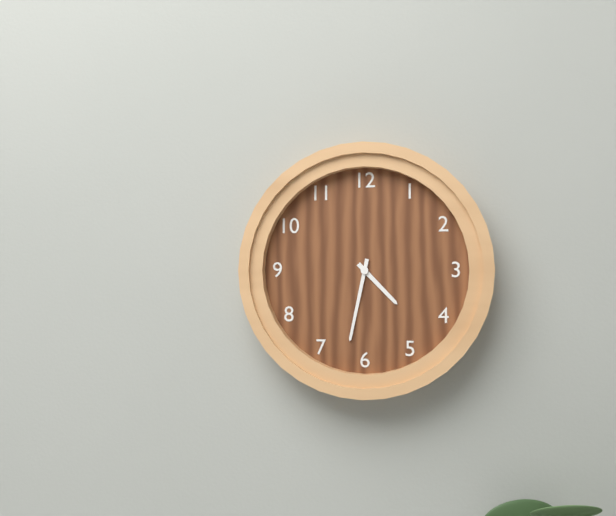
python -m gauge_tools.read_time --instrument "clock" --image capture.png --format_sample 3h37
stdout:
4h32
